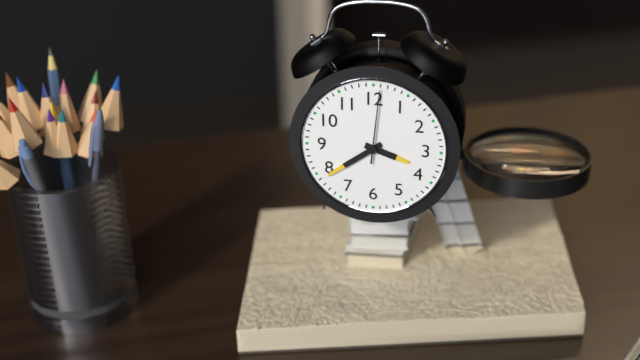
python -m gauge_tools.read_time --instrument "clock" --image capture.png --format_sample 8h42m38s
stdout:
3h39m01s
